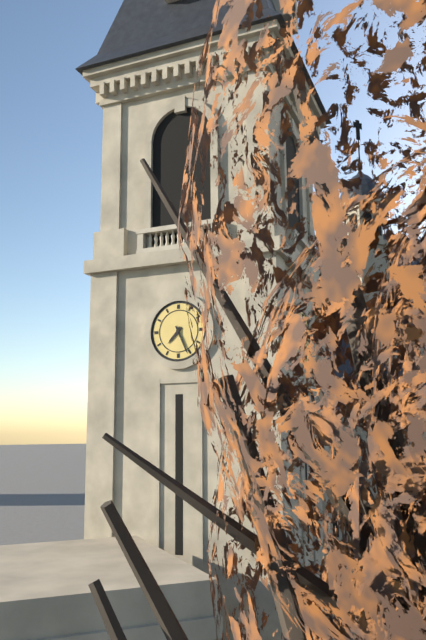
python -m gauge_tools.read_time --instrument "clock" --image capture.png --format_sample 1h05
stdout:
7h26
